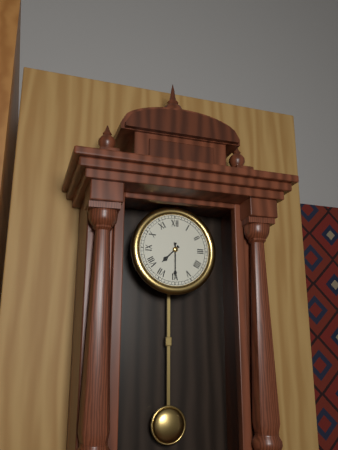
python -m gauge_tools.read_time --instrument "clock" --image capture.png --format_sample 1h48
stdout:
7h30
